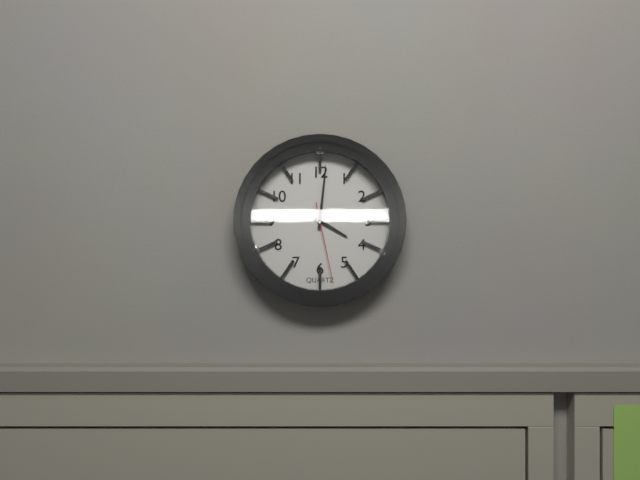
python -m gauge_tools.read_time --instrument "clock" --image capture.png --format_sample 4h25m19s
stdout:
4h01m28s
